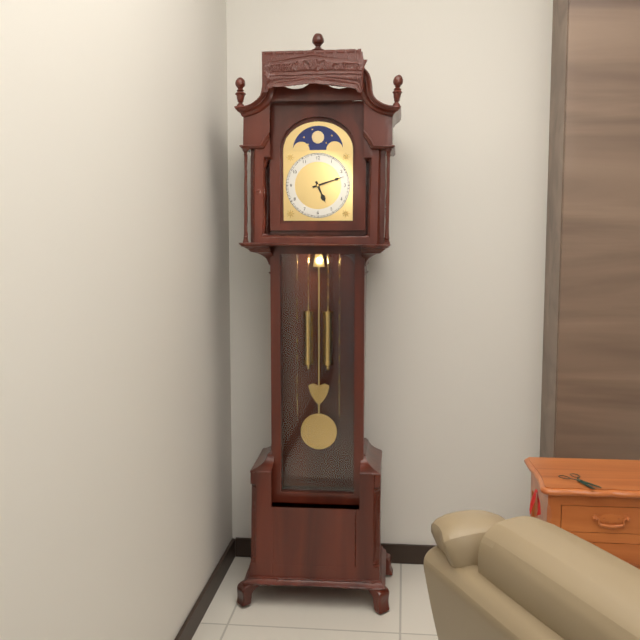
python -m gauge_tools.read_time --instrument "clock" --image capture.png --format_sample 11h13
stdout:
5h12
